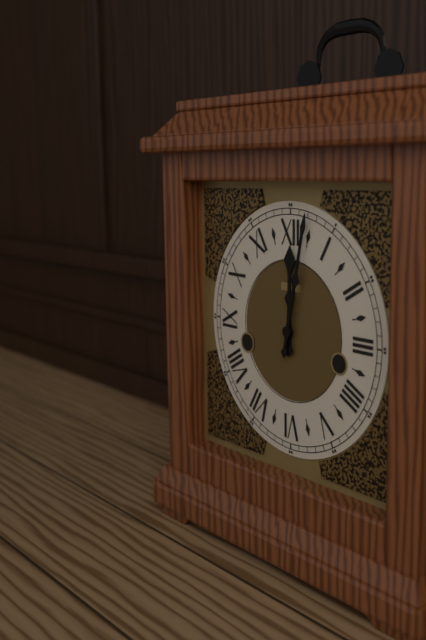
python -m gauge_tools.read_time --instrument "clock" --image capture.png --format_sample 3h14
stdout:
12h02
